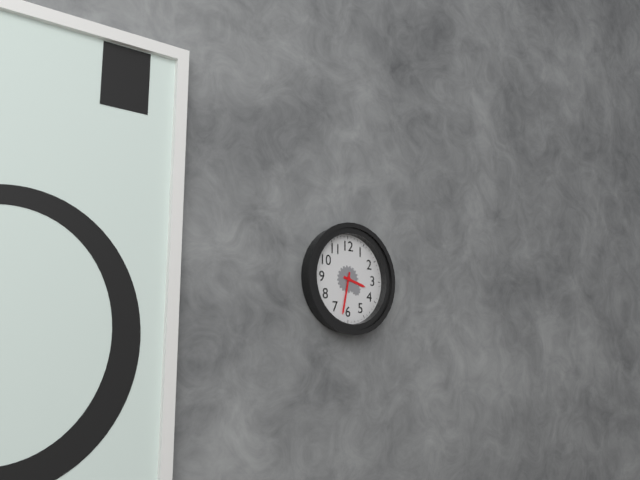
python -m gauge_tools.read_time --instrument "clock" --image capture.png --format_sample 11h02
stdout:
3h32
